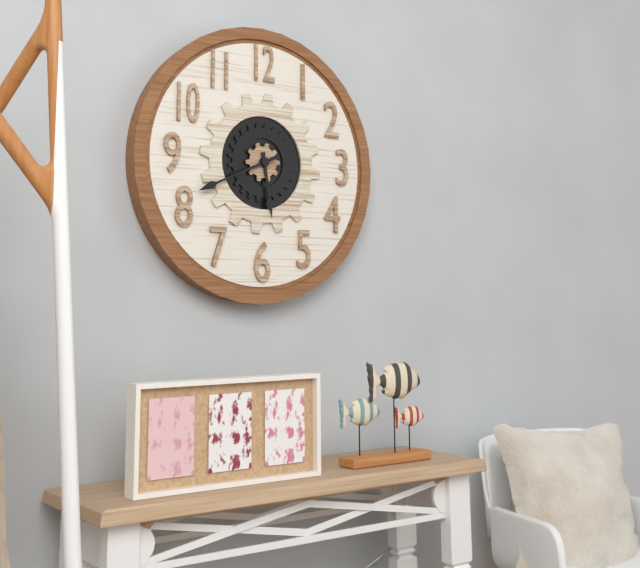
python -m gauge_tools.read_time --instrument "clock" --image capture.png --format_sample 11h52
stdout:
5h41
